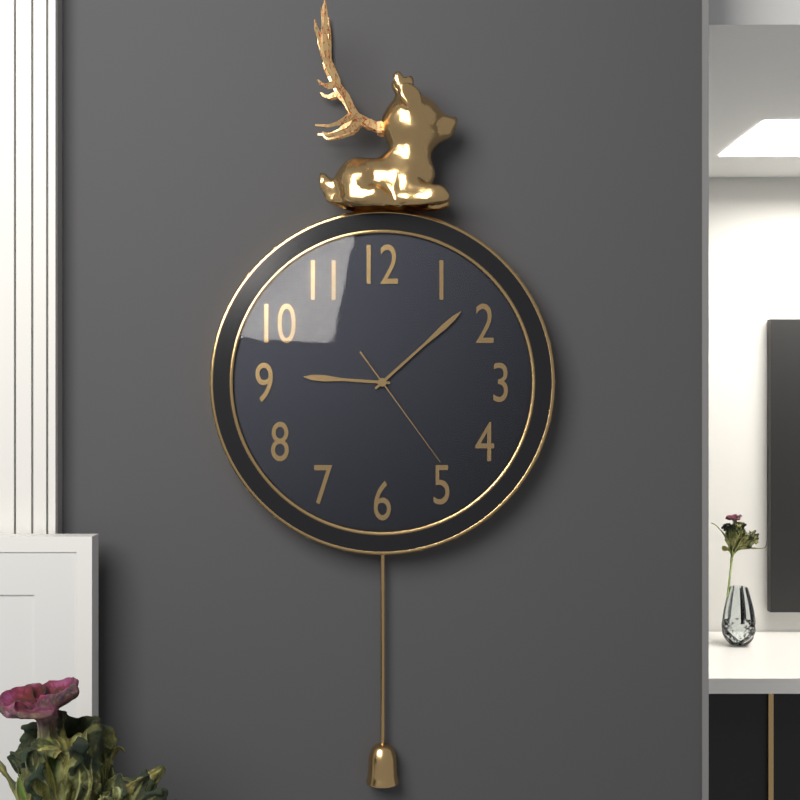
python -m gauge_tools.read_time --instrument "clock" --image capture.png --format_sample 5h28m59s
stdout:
9h08m24s
